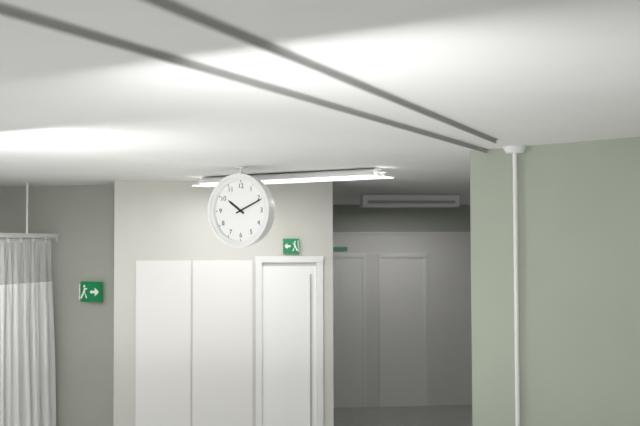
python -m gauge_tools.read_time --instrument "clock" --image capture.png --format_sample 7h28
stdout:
10h11
